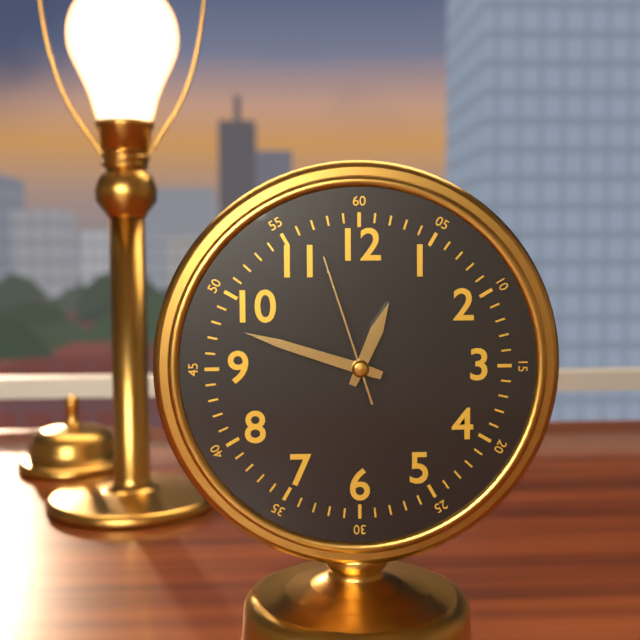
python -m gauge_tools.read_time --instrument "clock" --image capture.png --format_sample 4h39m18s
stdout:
12h48m57s
